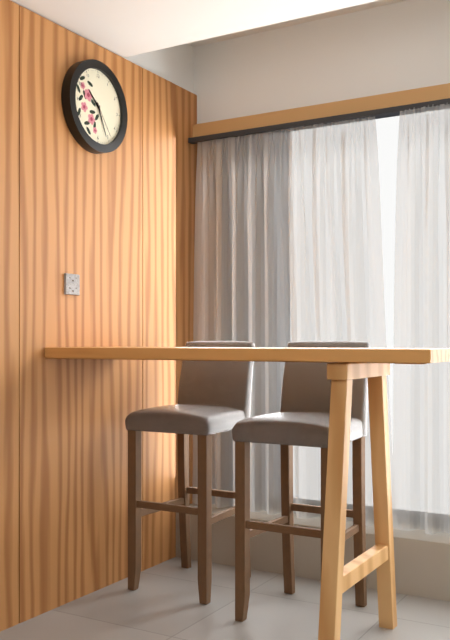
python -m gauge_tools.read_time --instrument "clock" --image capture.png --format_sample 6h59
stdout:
10h26
